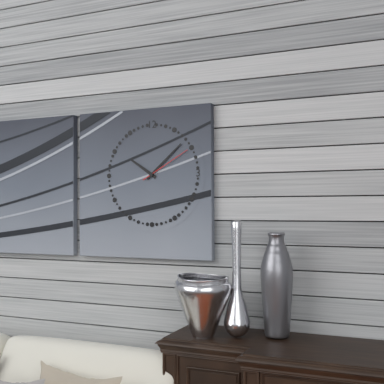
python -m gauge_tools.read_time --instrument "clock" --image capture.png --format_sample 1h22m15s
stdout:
10h08m10s
